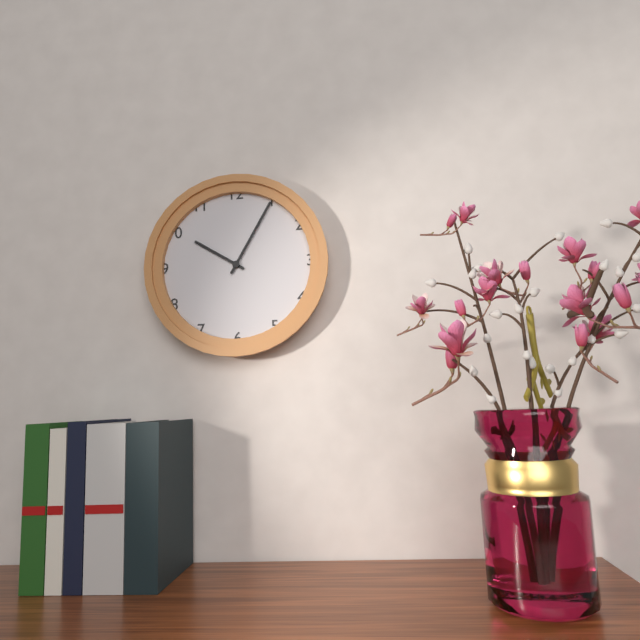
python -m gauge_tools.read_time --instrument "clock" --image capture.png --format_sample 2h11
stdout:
10h05
